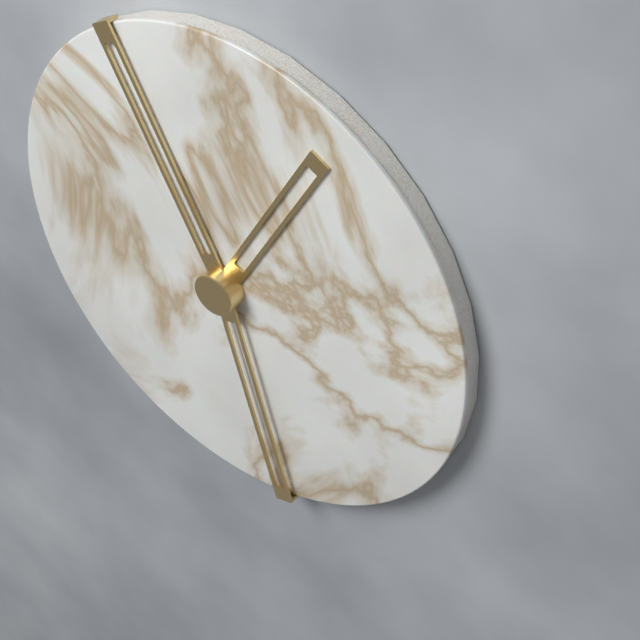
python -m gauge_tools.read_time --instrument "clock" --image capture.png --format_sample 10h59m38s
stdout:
12h55m27s
